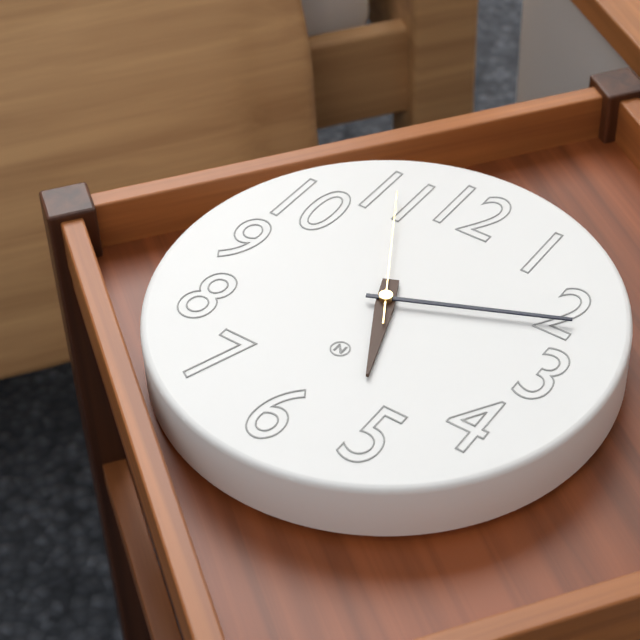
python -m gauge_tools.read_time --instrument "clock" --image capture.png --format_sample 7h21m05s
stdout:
5h11m55s
